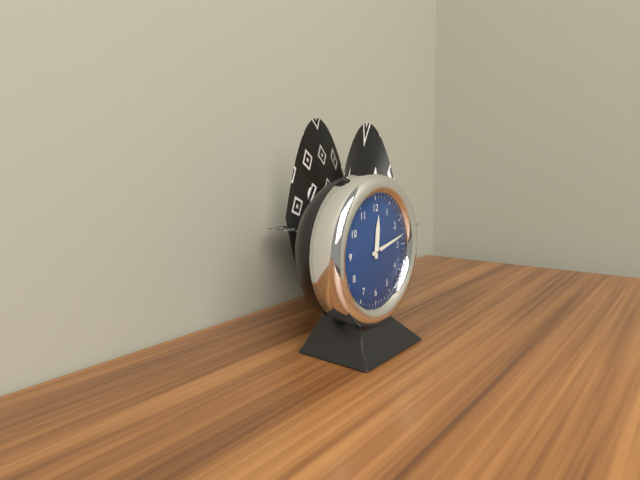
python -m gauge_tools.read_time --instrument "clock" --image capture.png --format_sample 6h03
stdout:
12h13
